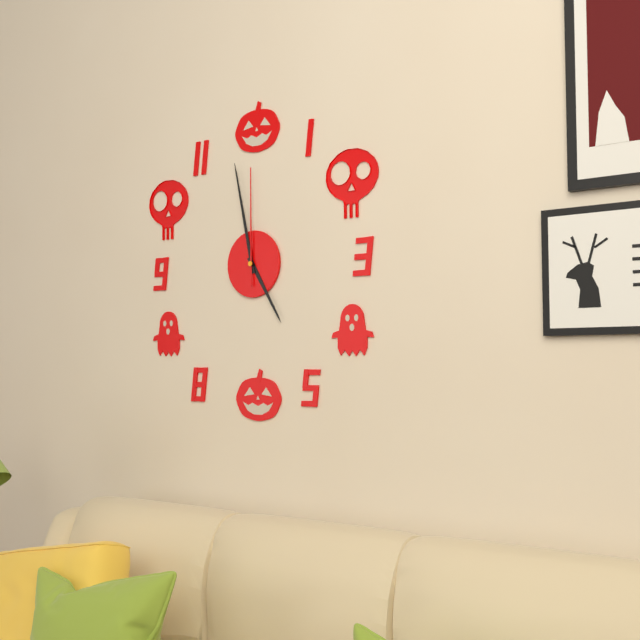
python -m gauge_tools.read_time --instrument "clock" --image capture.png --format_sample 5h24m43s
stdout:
4h58m00s
